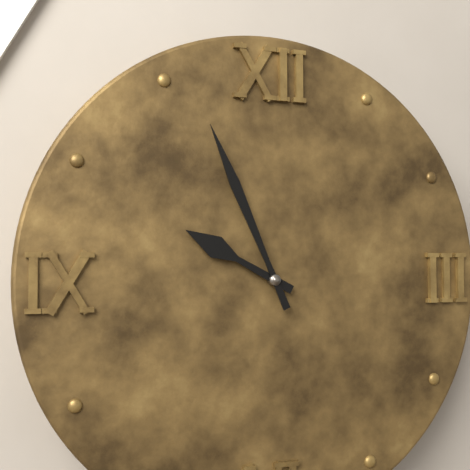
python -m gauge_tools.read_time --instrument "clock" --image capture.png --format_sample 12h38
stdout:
9h56
